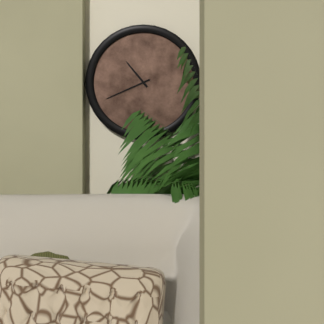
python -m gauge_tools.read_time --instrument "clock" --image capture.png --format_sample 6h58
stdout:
10h41
